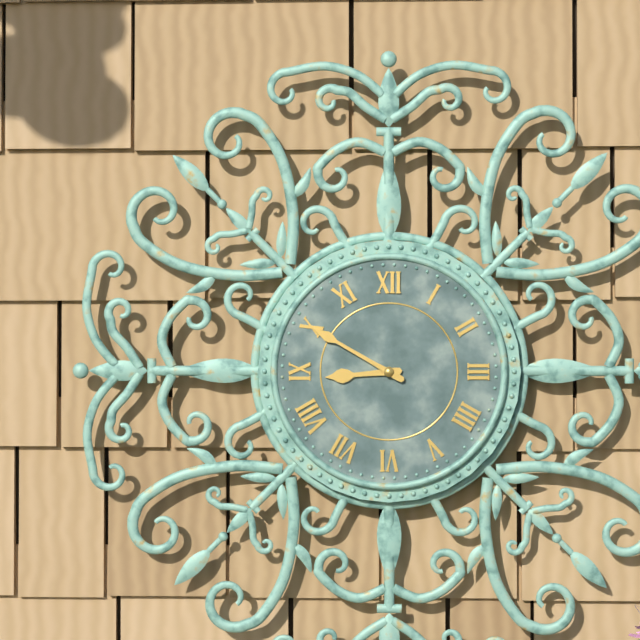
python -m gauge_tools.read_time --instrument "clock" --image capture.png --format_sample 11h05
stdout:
8h50
